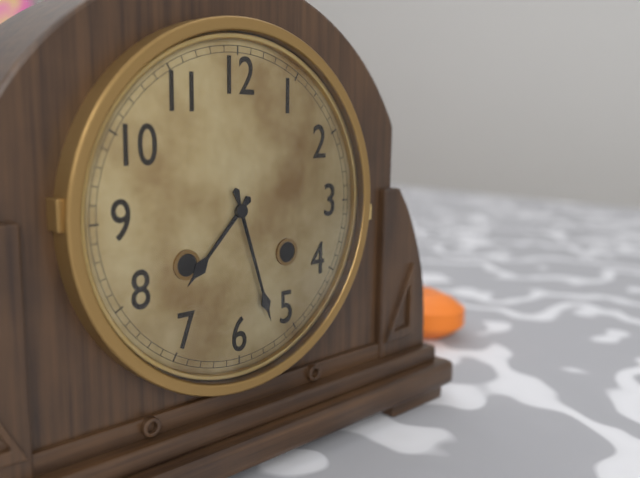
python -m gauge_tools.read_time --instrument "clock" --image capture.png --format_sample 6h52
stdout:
7h27
